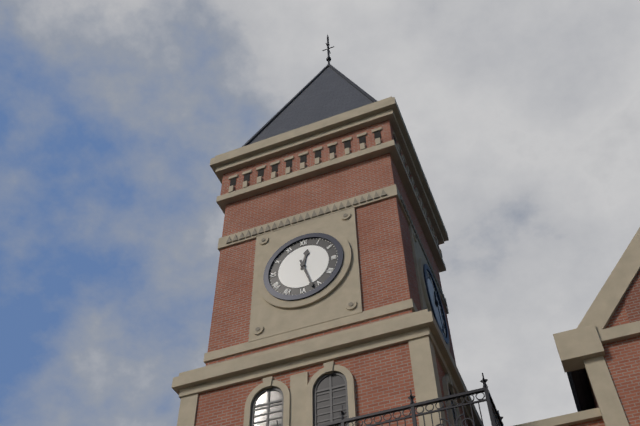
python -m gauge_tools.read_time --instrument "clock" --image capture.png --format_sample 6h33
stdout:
12h27
